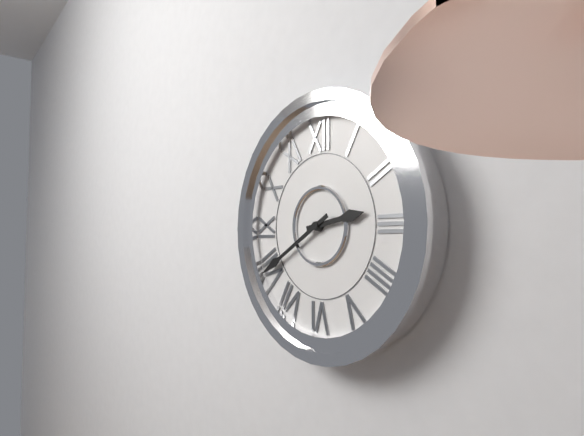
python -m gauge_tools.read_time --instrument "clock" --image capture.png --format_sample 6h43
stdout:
2h40
